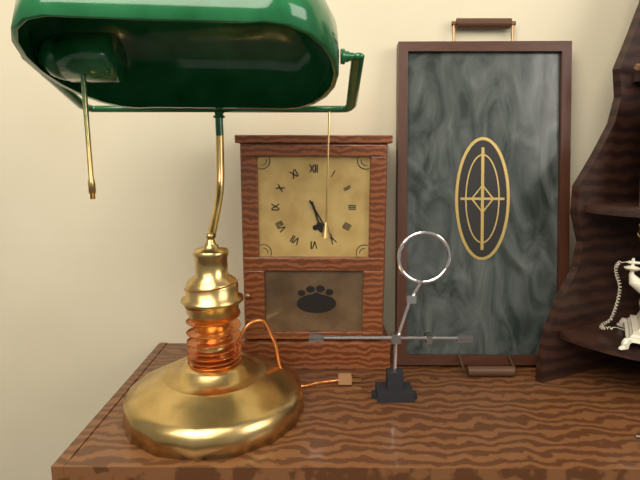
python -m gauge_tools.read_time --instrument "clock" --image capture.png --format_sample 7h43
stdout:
5h25
